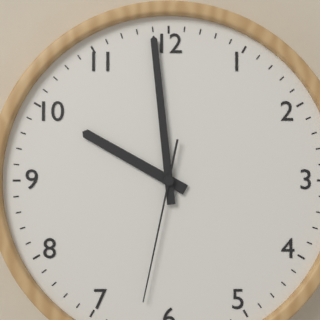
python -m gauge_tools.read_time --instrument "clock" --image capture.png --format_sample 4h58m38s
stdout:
9h59m32s
